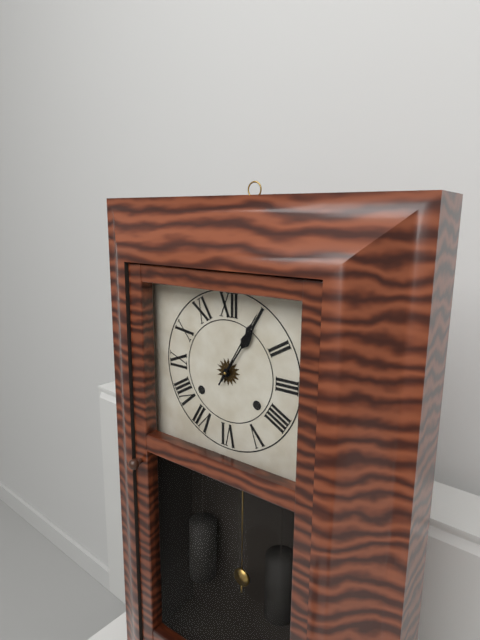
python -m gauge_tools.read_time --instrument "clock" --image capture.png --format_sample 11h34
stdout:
1h05
